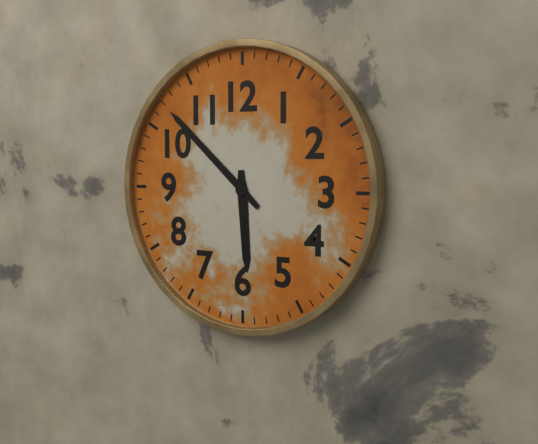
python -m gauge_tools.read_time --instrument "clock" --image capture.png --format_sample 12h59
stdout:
5h52
